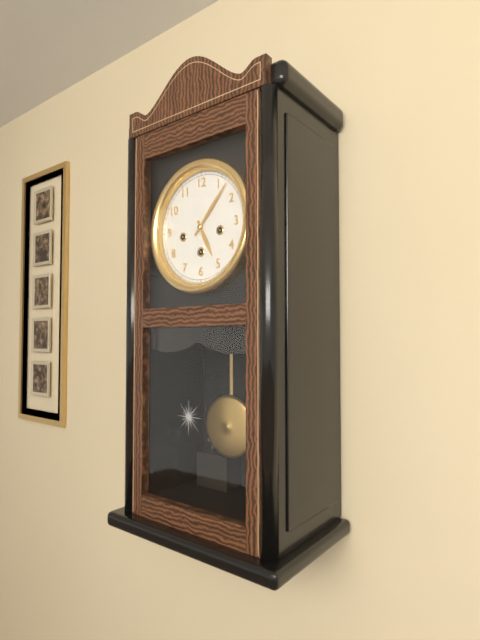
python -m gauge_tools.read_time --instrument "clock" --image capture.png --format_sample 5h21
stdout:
5h07
